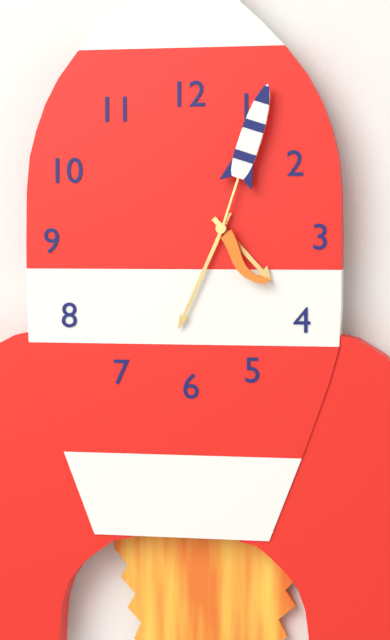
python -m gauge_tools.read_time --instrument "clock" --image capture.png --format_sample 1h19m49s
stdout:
4h34m03s
